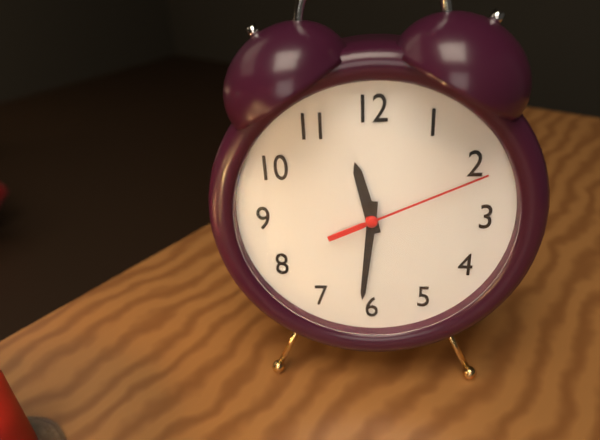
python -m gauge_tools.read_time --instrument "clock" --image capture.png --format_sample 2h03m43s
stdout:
11h31m11s
